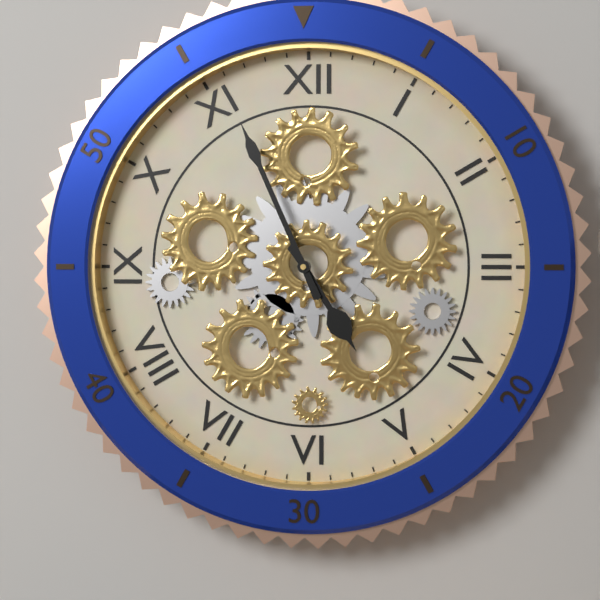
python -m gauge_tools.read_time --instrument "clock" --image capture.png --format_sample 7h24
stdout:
4h56
